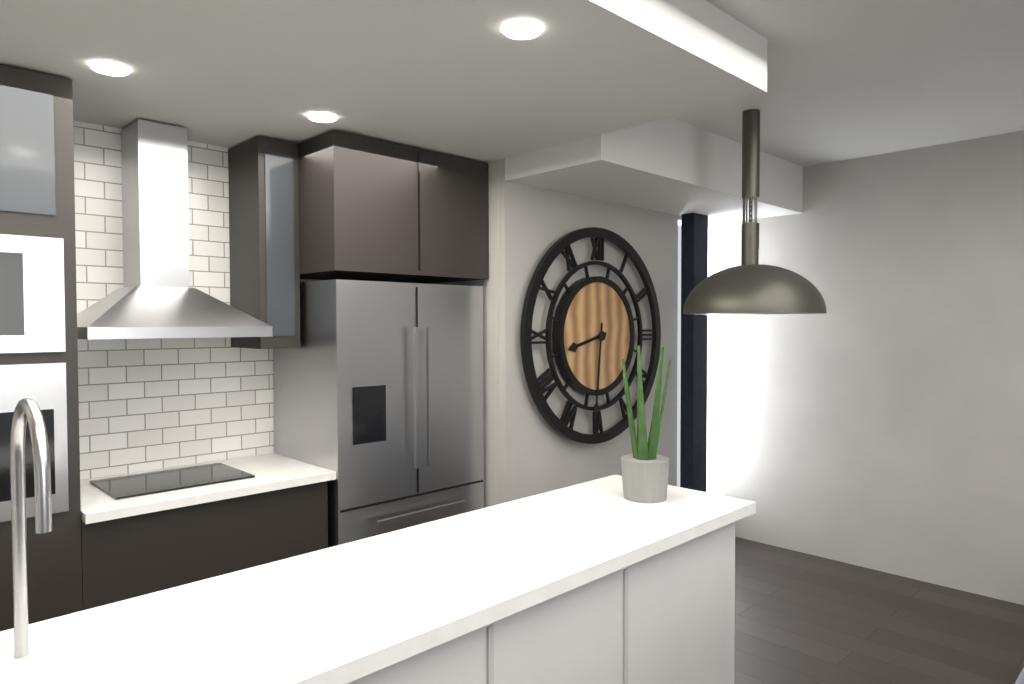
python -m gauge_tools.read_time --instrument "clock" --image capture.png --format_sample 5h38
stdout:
8h31
